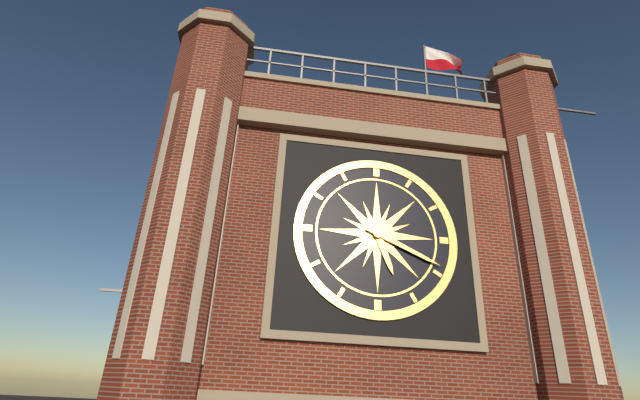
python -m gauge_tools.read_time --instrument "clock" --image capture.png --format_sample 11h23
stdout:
5h19
